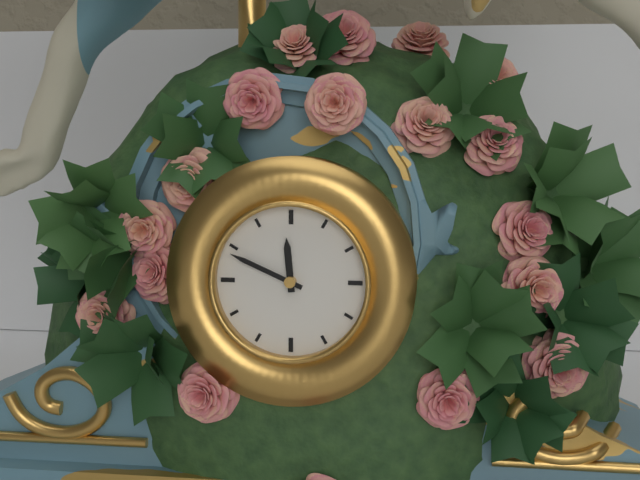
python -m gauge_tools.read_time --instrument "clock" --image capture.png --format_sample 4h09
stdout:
11h49
